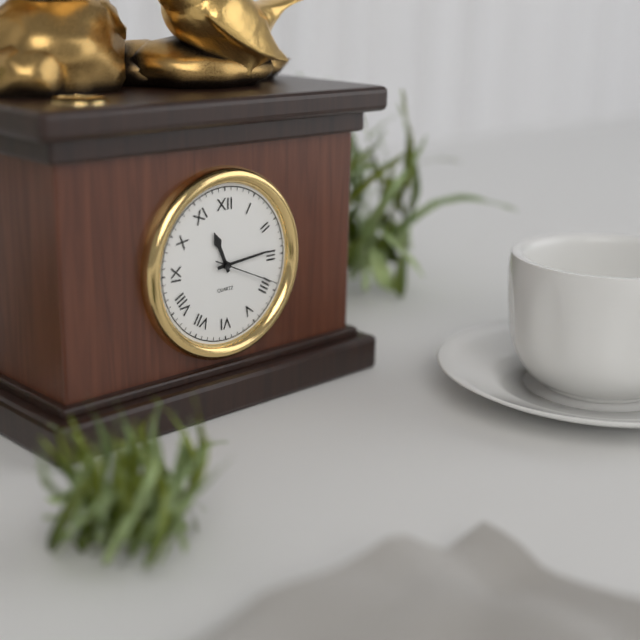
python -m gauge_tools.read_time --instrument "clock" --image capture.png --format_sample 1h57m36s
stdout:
11h14m19s
